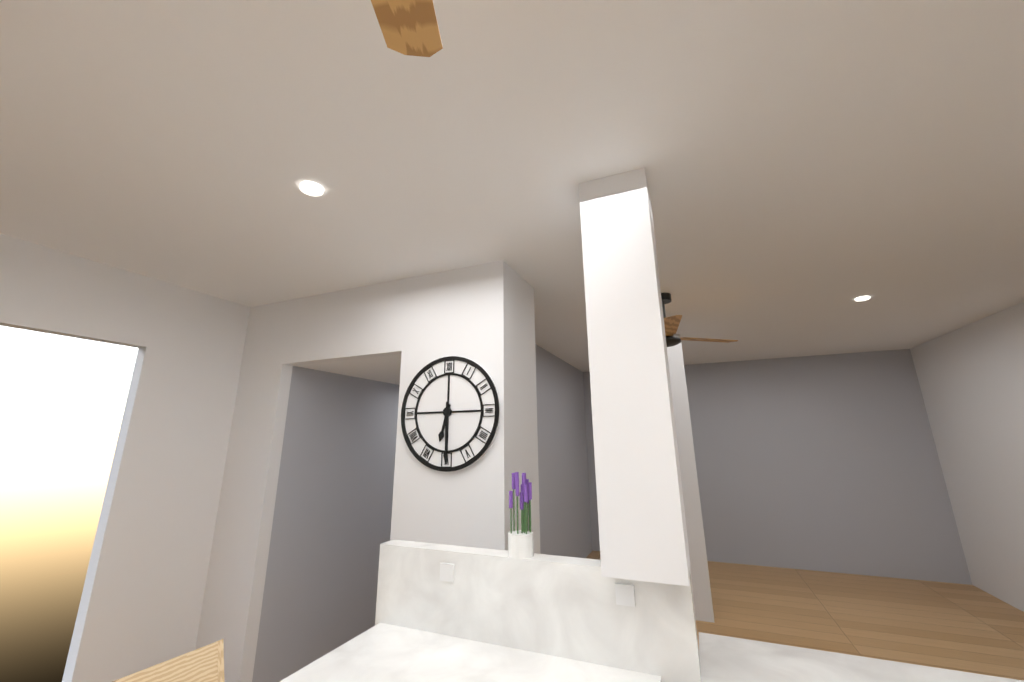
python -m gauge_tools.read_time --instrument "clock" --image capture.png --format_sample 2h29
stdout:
6h30
